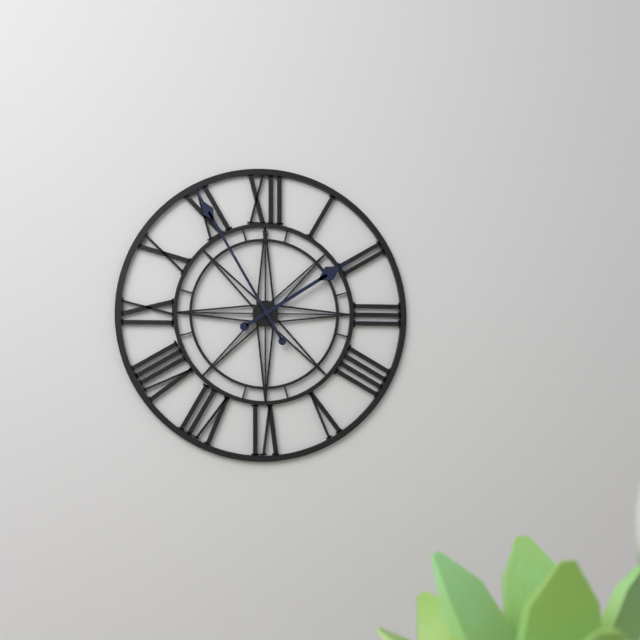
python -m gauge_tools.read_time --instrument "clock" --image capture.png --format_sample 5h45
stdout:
1h55
